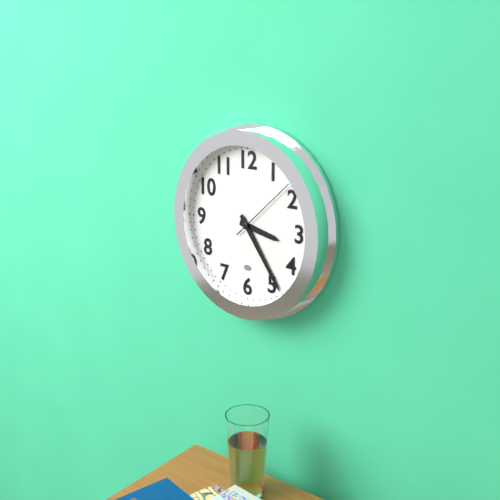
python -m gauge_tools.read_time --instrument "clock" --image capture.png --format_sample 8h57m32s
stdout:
3h24m08s
